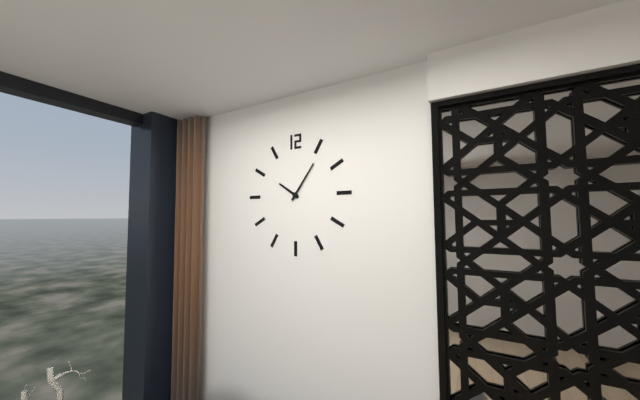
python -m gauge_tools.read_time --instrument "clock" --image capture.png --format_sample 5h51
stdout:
10h06
